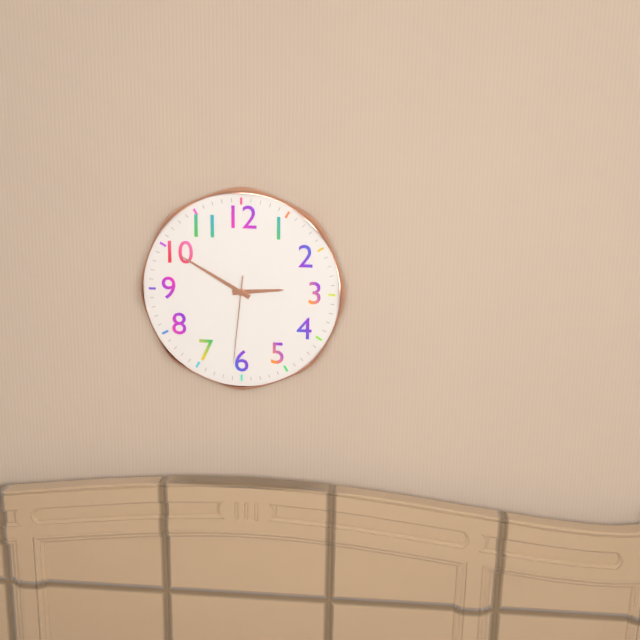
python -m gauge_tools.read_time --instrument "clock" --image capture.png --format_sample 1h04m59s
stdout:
2h50m31s
